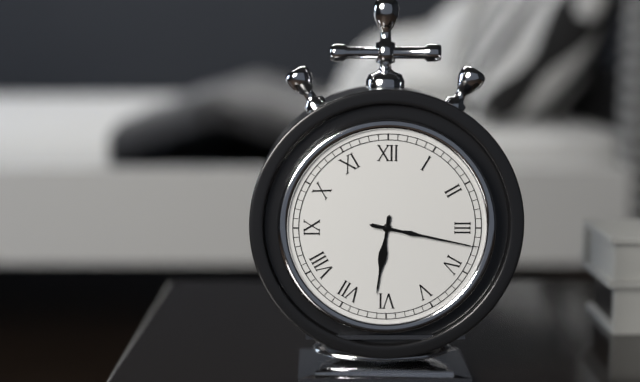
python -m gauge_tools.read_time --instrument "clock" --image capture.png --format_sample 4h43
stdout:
6h17
